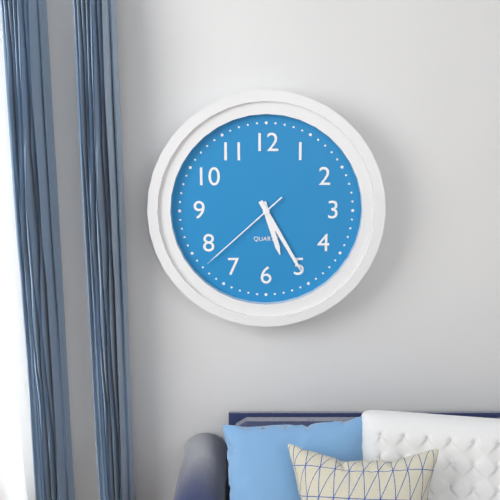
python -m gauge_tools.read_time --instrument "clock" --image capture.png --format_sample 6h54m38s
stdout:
5h25m38s
